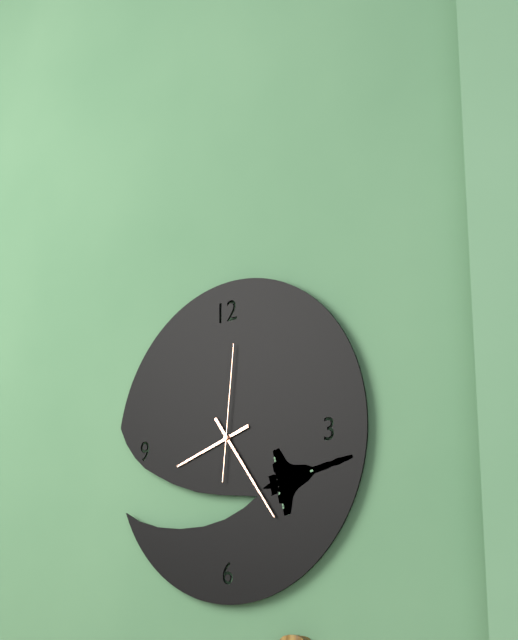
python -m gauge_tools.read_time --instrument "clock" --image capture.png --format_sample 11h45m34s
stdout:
8h24m01s
